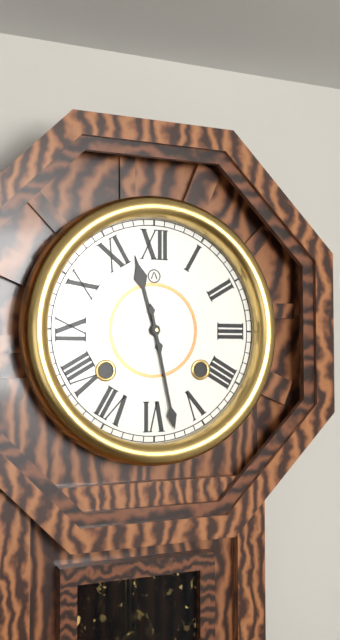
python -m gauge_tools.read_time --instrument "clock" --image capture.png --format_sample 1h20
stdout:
11h28
